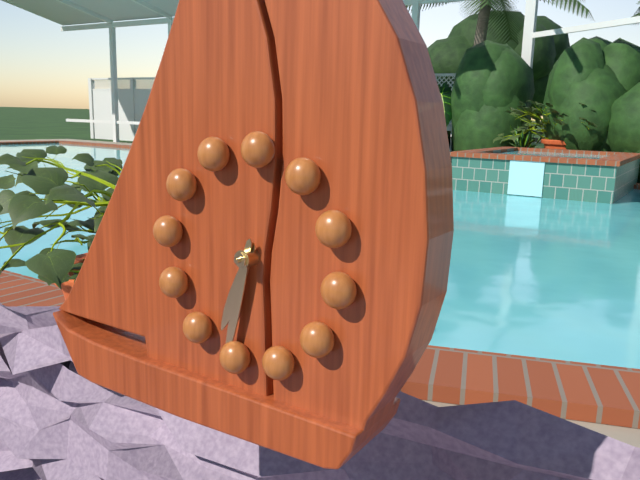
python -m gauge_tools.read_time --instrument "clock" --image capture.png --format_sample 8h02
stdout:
6h31
